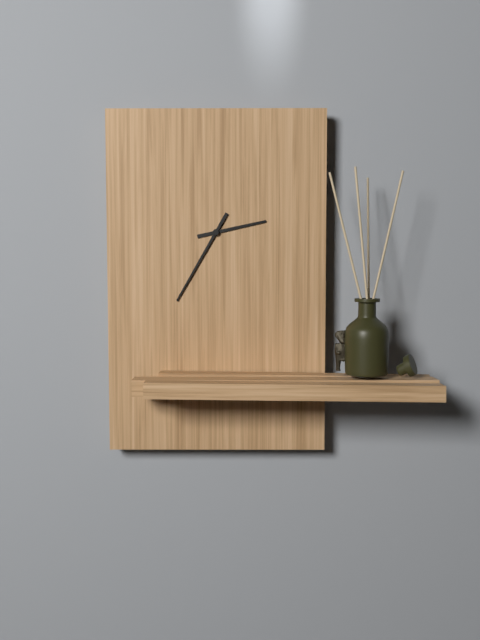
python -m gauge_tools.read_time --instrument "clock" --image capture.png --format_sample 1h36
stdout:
2h35
